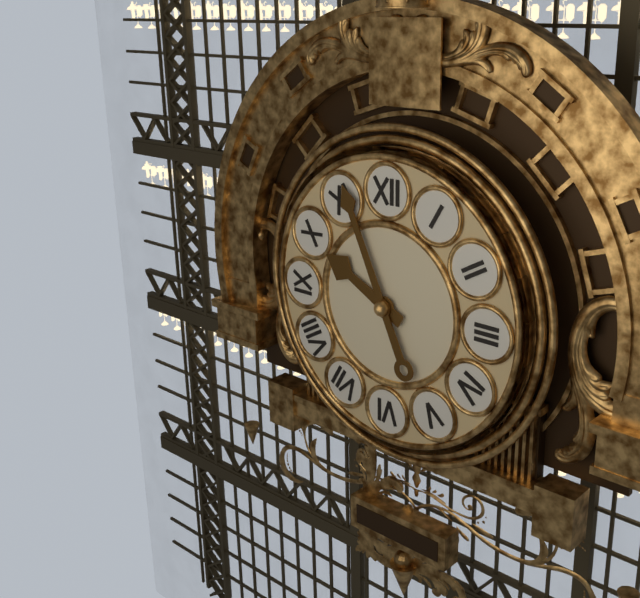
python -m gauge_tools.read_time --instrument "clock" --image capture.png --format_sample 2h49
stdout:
9h56
